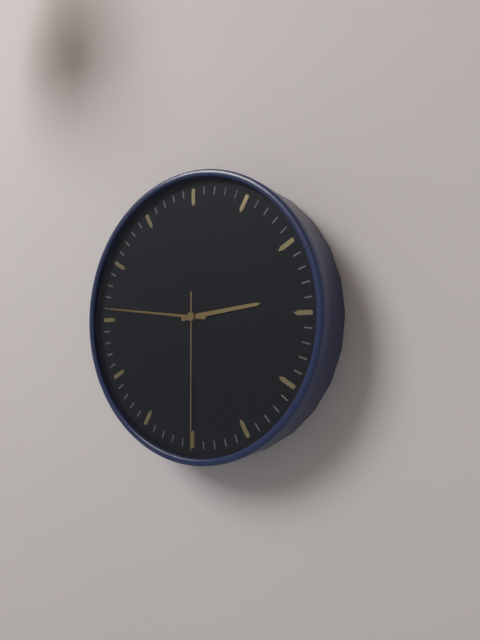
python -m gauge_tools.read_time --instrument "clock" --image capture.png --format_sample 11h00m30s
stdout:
2h46m30s
